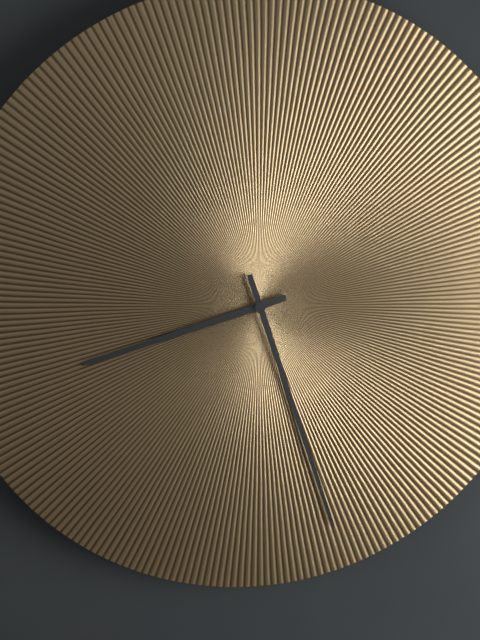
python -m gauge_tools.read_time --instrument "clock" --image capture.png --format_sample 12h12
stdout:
8h27
